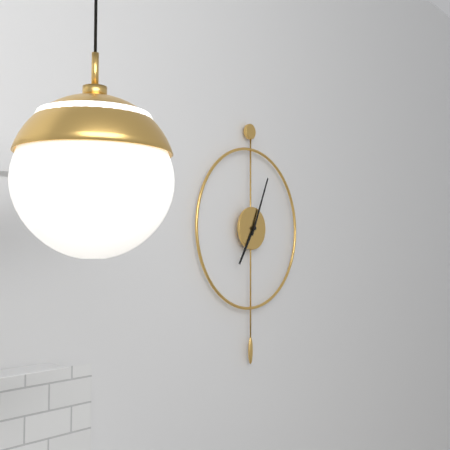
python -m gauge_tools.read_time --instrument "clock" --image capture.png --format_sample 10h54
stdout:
7h04
